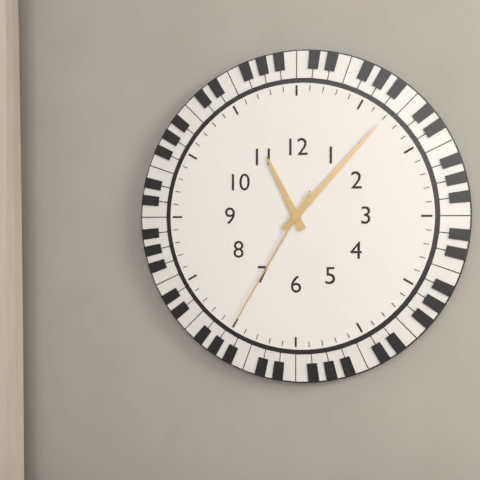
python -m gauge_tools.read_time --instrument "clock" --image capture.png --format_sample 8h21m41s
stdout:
11h07m35s
